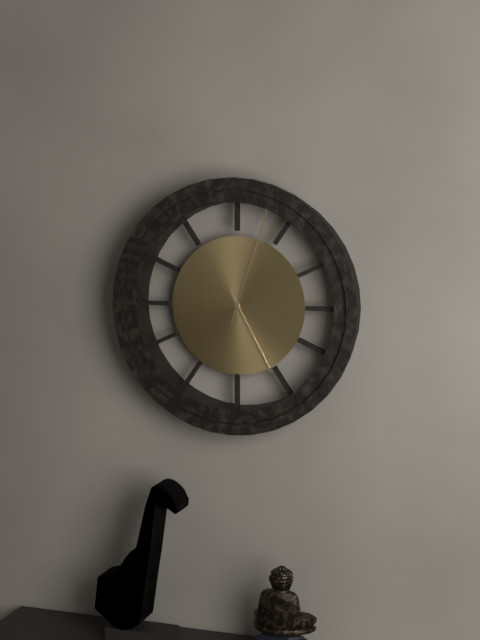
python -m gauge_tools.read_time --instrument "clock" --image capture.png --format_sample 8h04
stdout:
5h03
